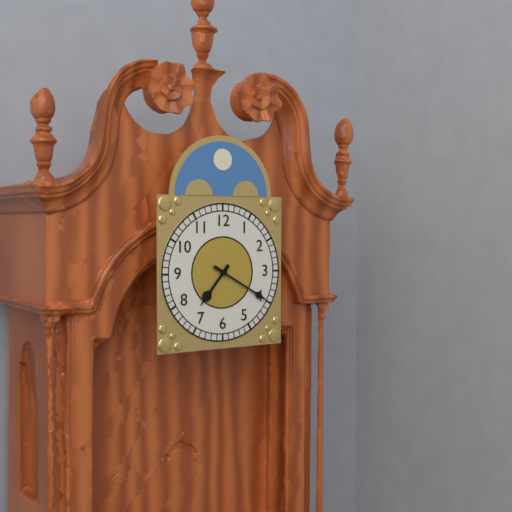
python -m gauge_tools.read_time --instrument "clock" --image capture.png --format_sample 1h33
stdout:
7h20
